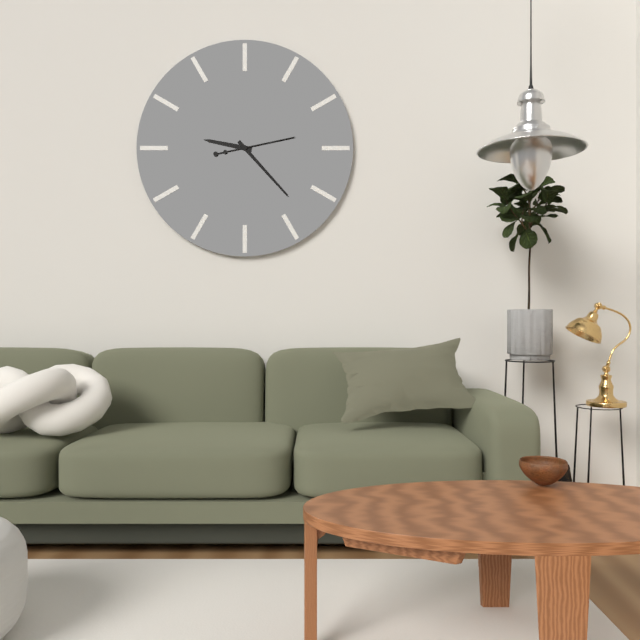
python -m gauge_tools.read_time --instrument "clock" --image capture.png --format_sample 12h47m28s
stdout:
9h23m13s
